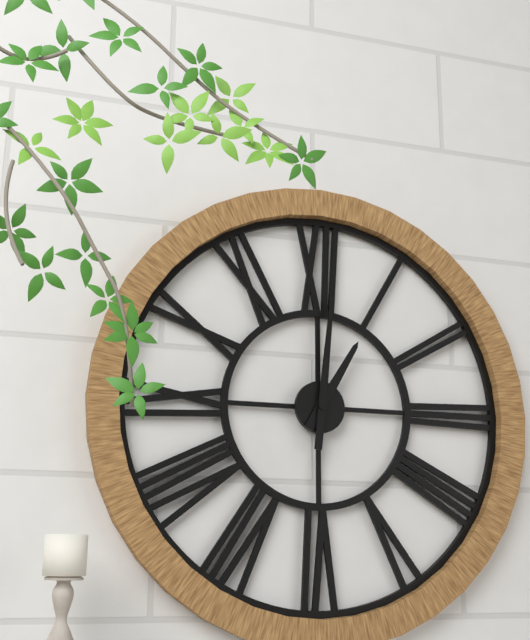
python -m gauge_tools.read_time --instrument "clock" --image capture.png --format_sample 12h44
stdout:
1h01
